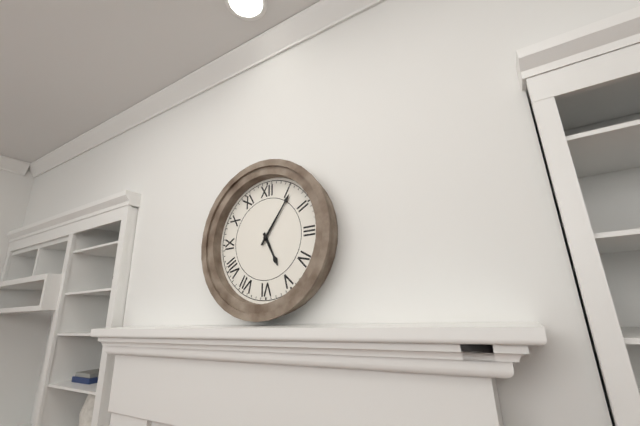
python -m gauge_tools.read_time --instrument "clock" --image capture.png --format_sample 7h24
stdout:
5h06
